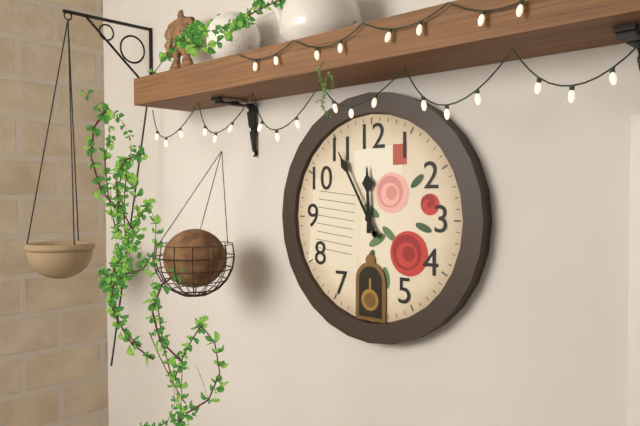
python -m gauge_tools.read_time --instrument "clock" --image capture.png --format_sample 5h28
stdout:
11h55
